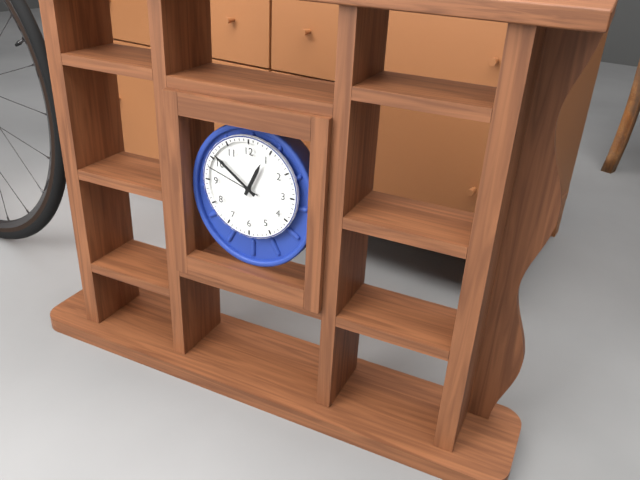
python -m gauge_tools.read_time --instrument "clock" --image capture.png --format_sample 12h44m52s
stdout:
12h51m48s
